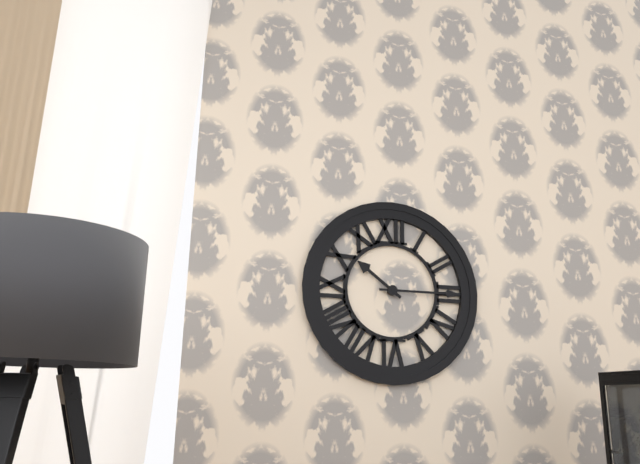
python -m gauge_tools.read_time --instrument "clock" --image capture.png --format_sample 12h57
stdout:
10h15
